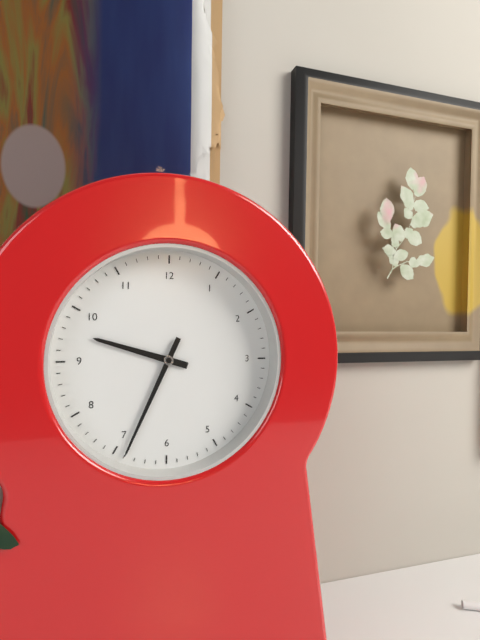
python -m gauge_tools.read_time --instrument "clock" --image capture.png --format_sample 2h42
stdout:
9h34
